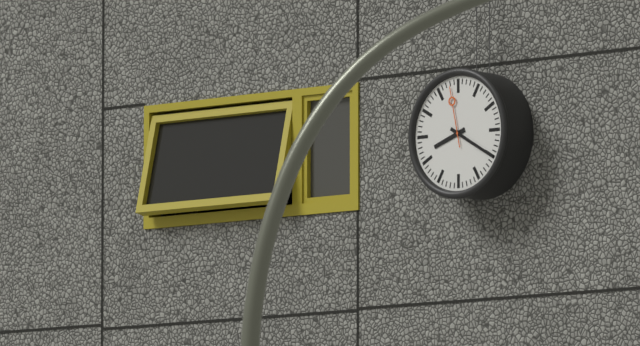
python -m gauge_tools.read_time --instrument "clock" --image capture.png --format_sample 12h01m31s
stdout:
8h20m58s
